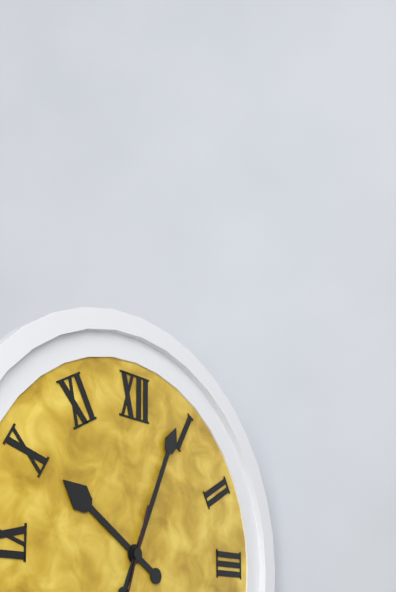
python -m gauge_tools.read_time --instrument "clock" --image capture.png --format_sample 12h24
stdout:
10h04
